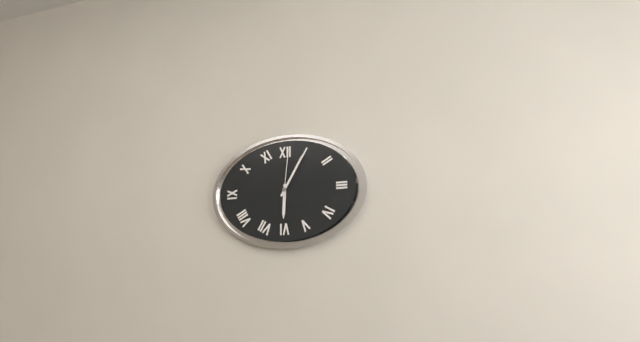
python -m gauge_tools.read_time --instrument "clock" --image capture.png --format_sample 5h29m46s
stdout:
6h05m01s
